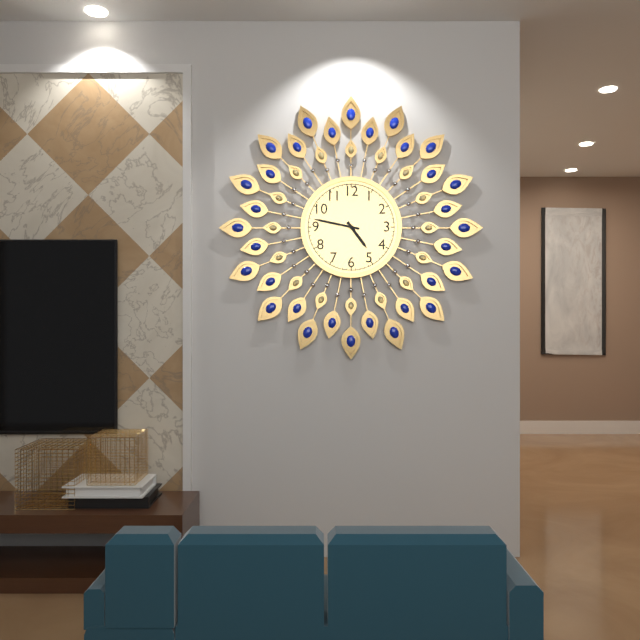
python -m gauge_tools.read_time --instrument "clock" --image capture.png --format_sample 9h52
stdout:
4h47
